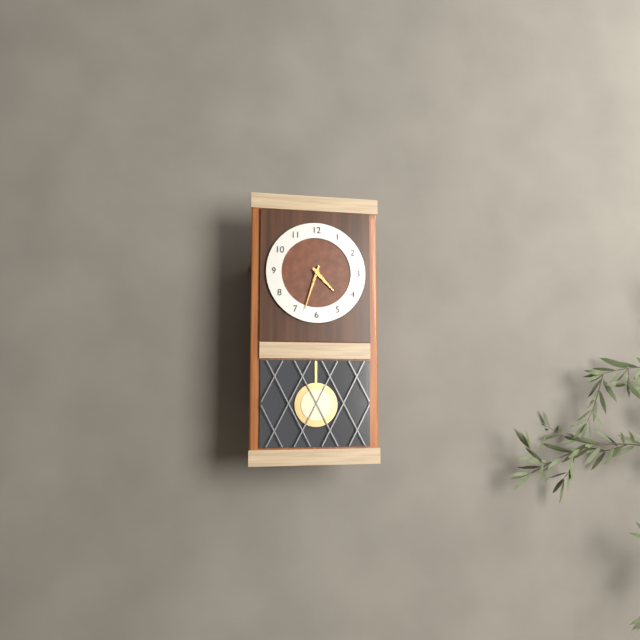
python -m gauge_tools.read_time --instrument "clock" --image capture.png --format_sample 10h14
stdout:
4h33
